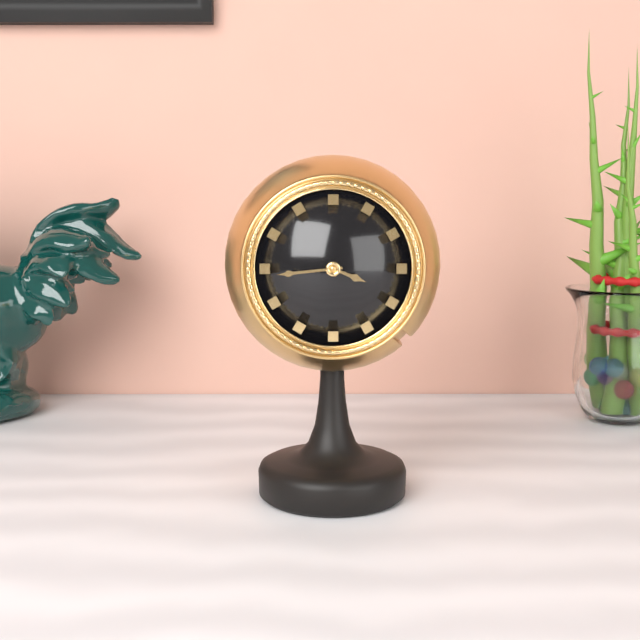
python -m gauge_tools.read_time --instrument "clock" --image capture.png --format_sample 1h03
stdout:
3h44
